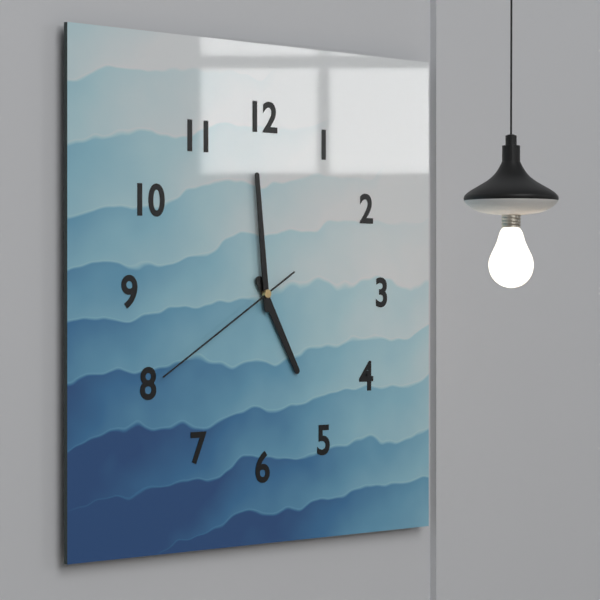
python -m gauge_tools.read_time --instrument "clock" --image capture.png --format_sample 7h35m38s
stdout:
4h59m40s
